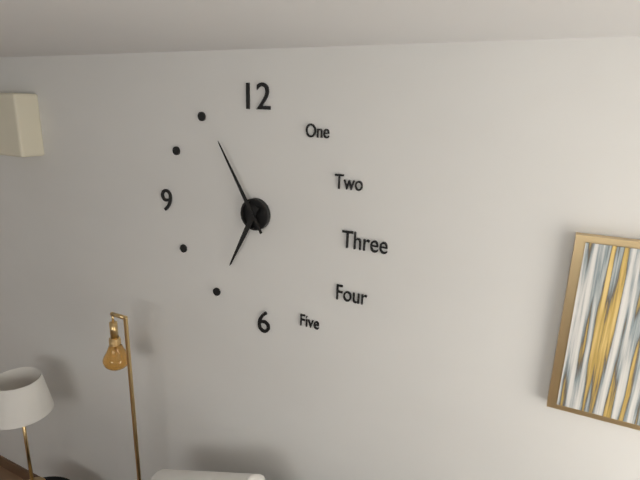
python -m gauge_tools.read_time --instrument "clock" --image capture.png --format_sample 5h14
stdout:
6h55
